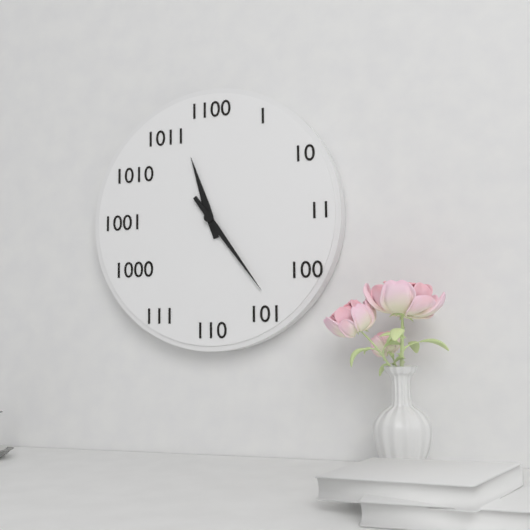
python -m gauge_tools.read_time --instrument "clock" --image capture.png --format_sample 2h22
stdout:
11h24
